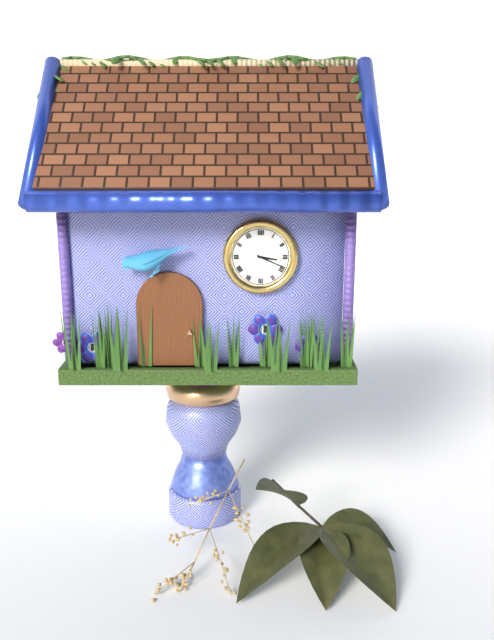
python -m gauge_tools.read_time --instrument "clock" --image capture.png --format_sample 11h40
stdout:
3h19
